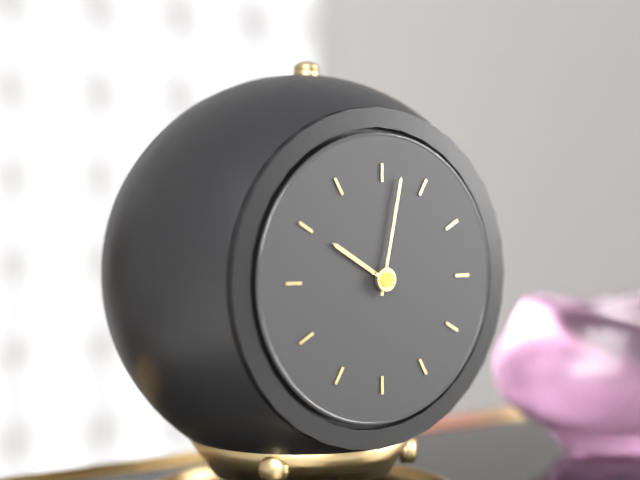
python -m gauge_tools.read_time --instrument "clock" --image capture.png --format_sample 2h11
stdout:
10h02
